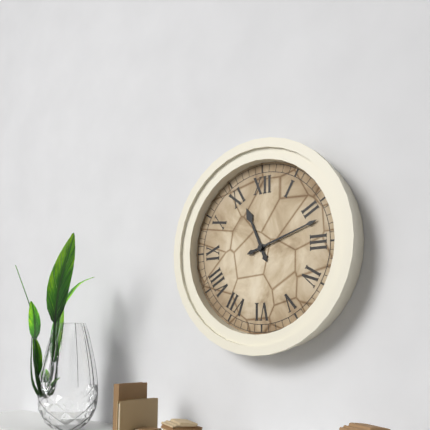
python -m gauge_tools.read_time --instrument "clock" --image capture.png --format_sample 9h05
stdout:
11h12
